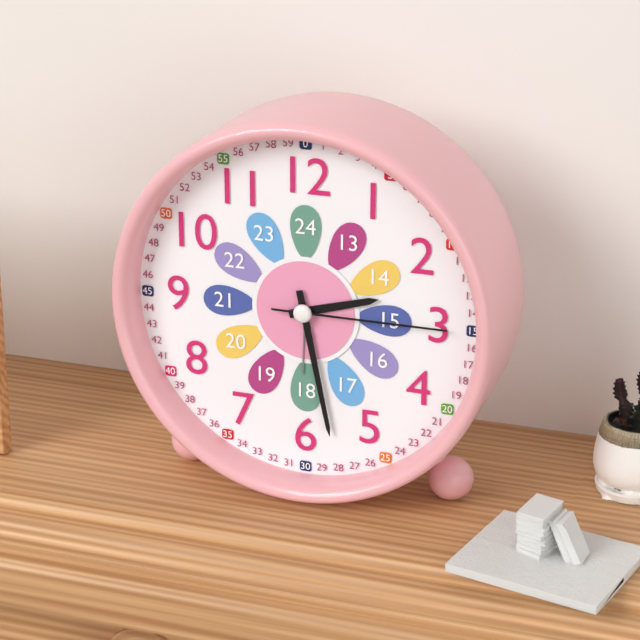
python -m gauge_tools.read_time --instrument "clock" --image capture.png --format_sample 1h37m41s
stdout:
2h28m15s
